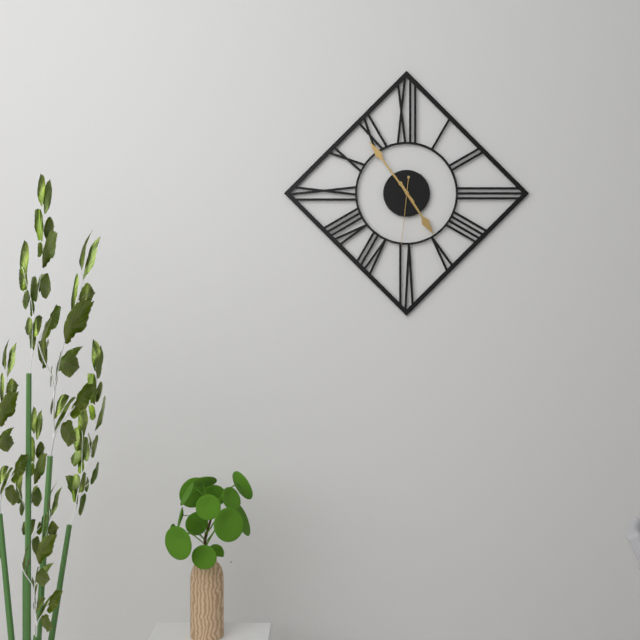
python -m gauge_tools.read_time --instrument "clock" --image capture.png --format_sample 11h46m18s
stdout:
4h54m31s
